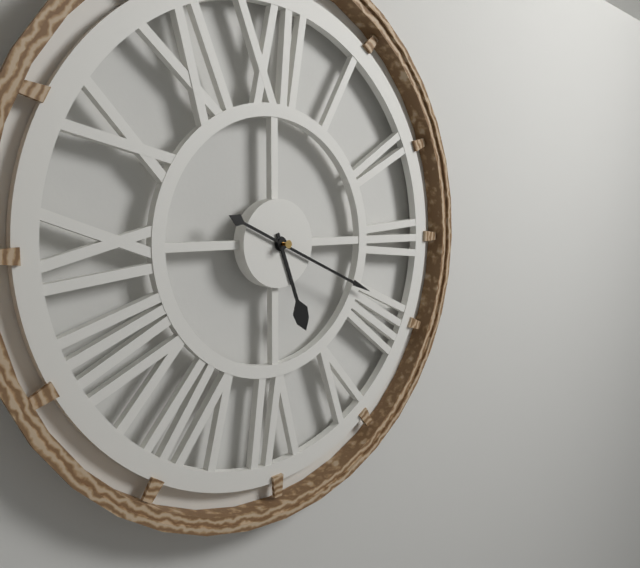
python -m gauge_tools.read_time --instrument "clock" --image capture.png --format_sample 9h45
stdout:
5h19
